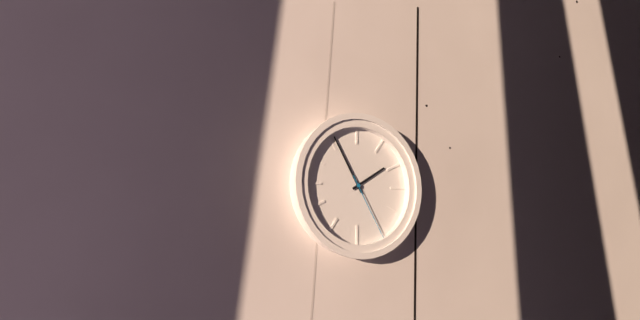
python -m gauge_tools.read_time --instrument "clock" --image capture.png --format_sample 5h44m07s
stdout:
1h55m25s
